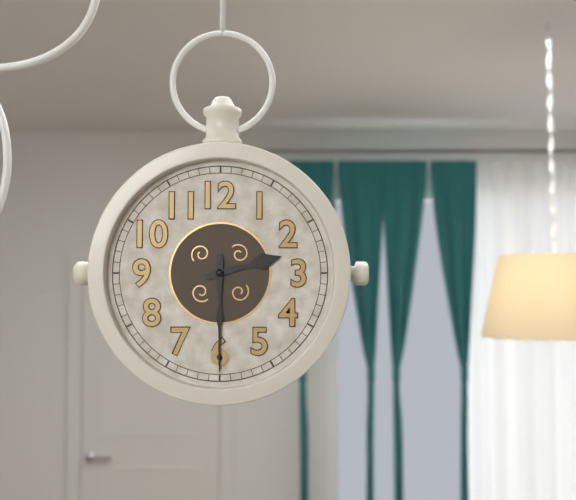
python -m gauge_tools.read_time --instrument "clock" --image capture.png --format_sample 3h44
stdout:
2h30
